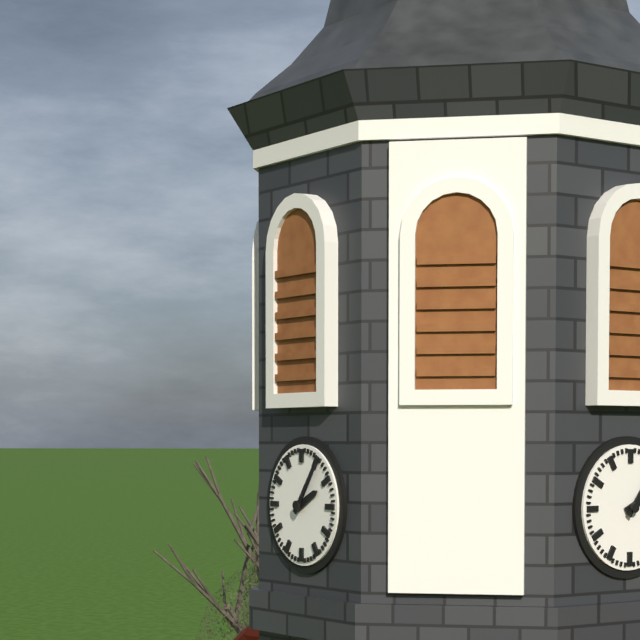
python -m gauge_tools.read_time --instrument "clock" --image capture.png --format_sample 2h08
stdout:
2h06
